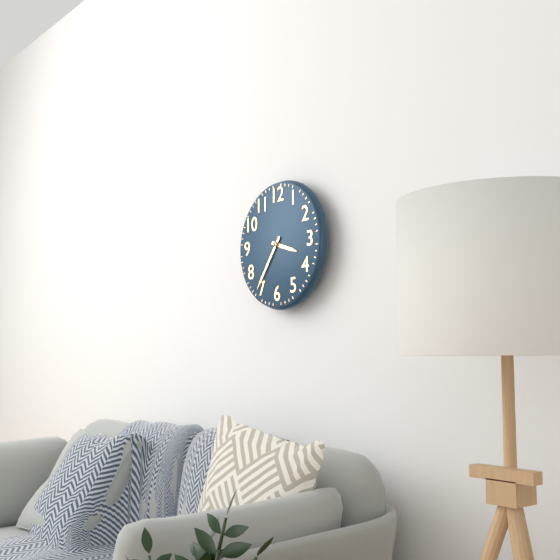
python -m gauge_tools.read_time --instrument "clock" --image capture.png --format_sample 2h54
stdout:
3h36
